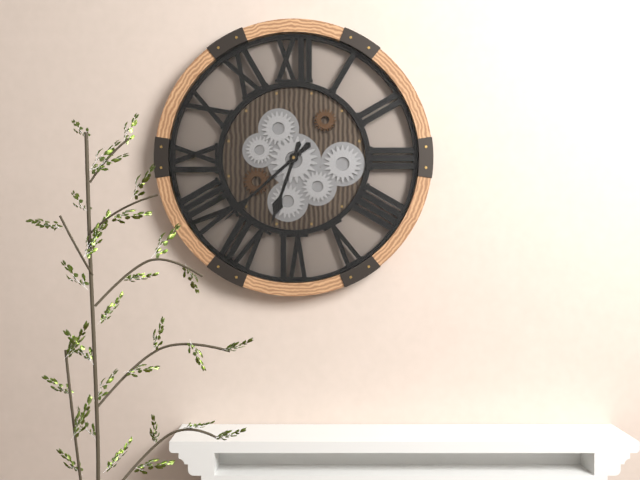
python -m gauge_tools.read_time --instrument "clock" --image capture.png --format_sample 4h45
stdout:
6h38
